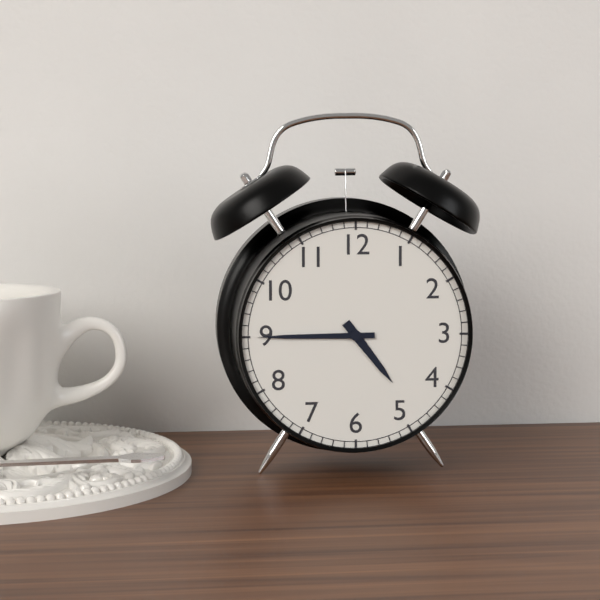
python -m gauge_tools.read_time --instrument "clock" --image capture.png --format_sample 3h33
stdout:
4h45
